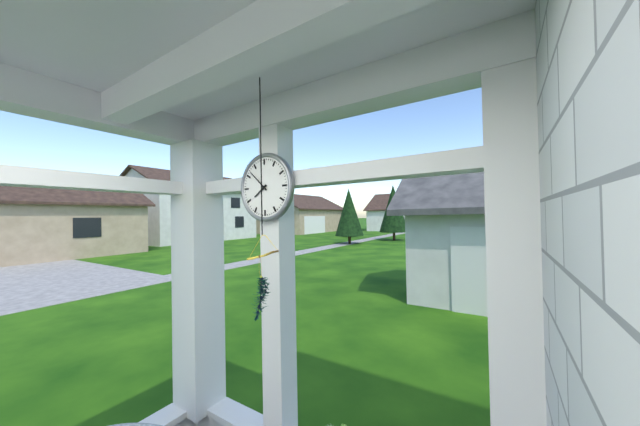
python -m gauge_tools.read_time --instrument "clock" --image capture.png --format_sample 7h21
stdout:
7h52
